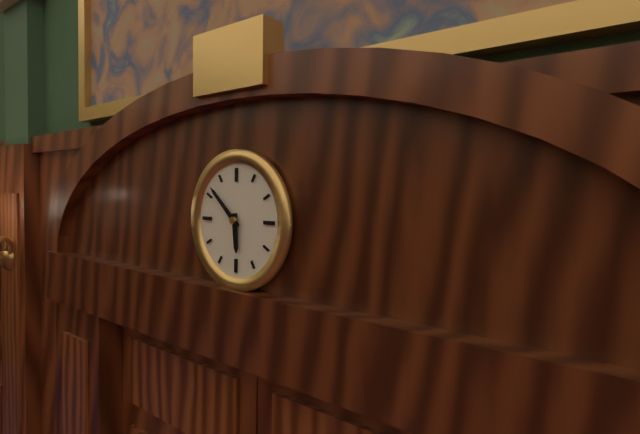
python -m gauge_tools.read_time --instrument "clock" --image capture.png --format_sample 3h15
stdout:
5h52
